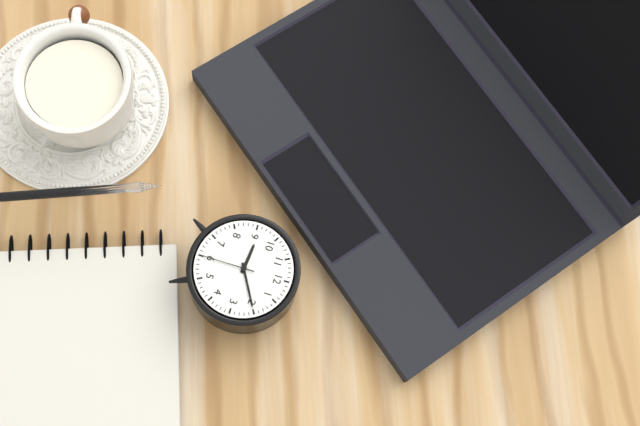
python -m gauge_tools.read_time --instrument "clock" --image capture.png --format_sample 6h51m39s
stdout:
9h10m30s
